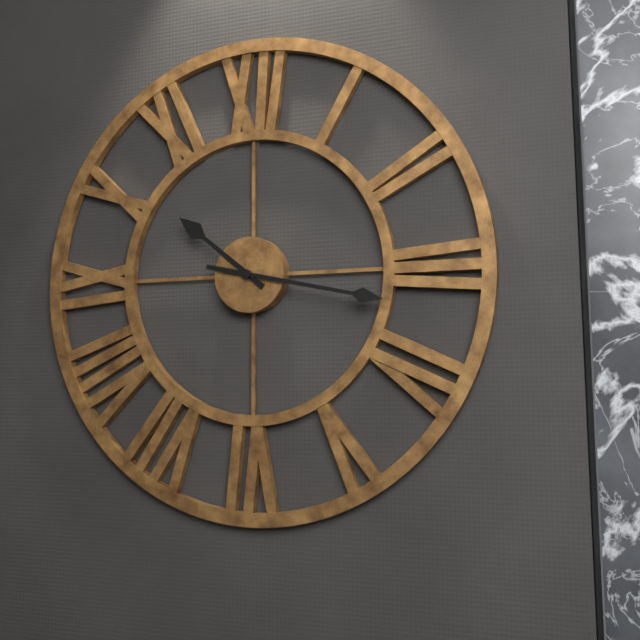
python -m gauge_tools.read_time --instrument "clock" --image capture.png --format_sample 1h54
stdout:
10h17
